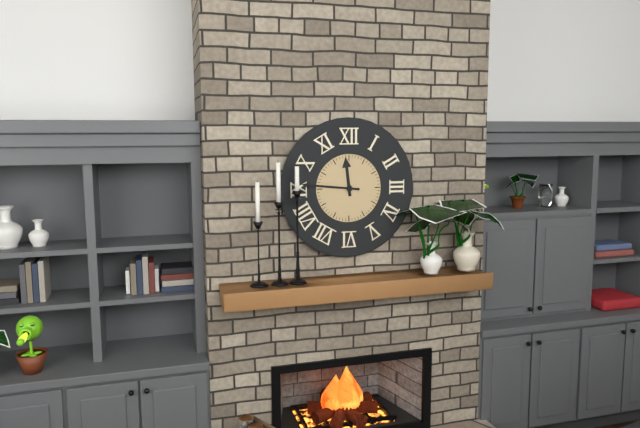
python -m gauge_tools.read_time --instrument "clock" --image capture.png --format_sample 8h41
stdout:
11h46
